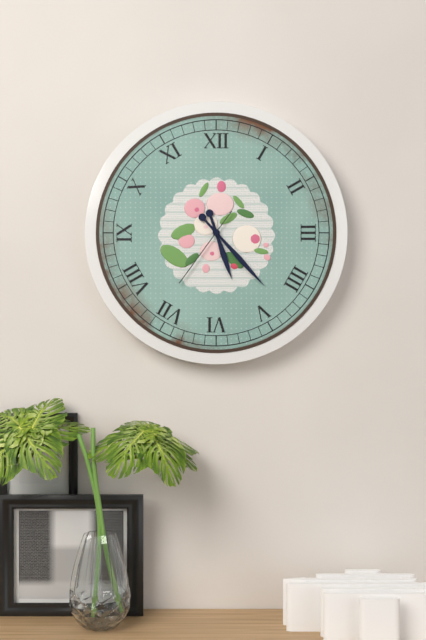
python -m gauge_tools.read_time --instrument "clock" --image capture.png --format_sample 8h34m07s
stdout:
5h23m36s
